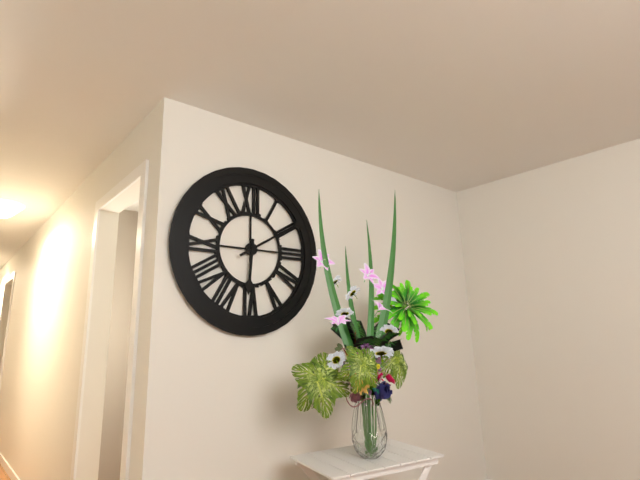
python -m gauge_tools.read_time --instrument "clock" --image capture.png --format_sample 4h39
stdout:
6h10
